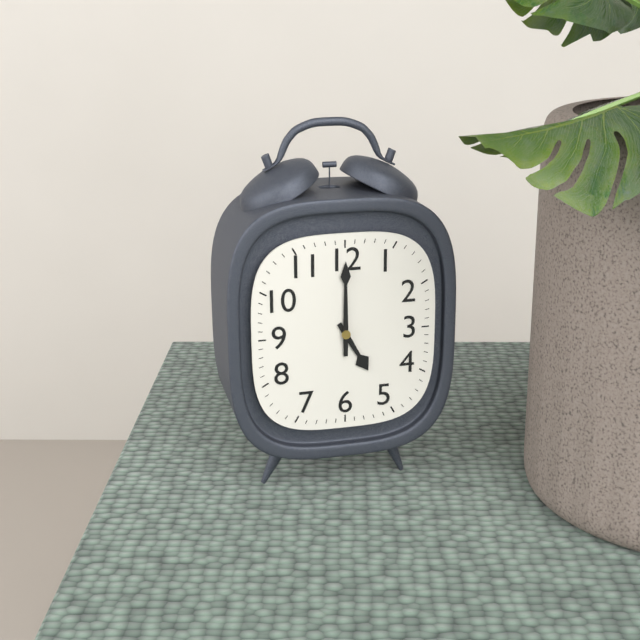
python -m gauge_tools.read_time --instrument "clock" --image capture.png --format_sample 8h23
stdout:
5h00
